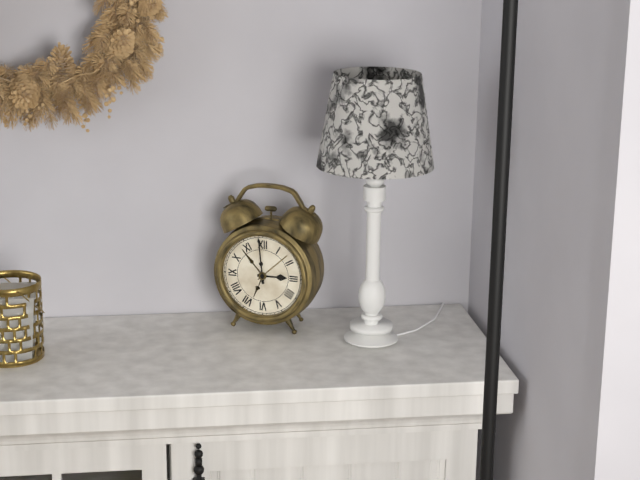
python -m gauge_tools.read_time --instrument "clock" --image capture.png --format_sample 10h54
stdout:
2h59
